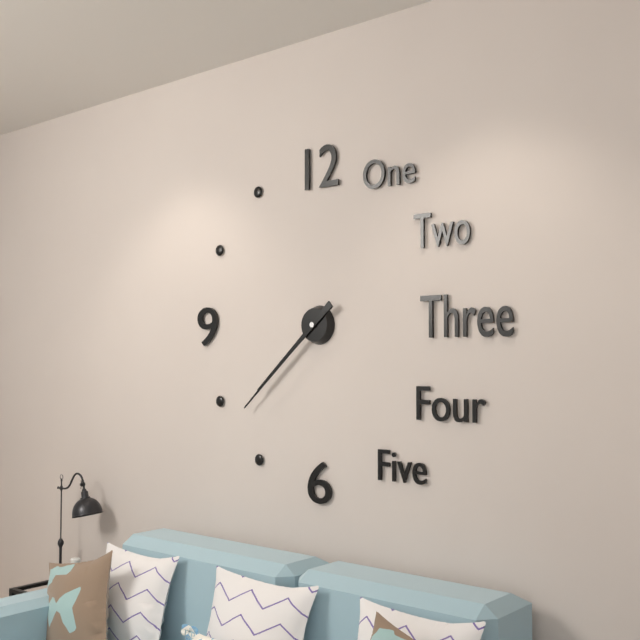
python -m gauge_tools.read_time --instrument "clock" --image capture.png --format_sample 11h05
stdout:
7h38
